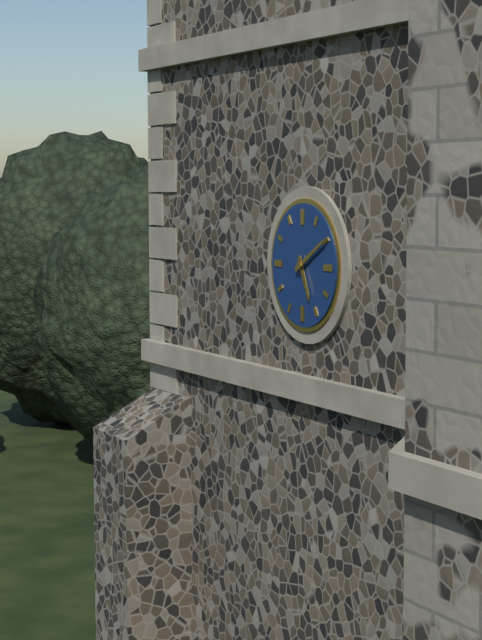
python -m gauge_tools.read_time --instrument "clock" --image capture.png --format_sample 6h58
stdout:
5h10
